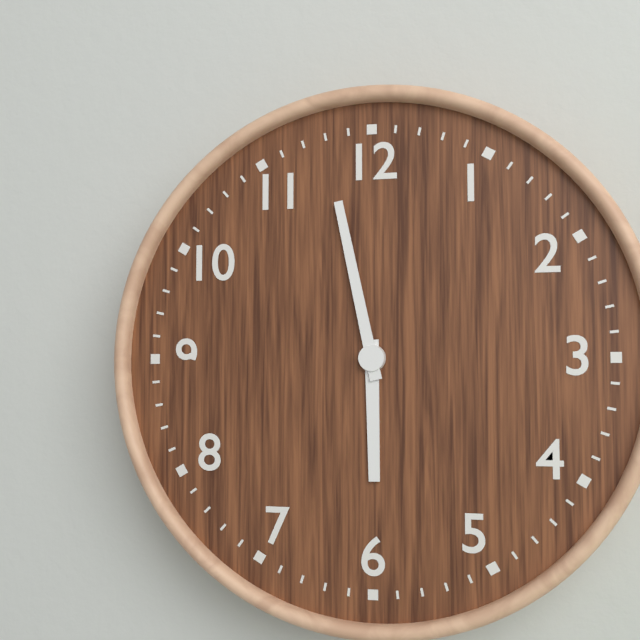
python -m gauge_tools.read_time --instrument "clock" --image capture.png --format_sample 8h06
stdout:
5h58
